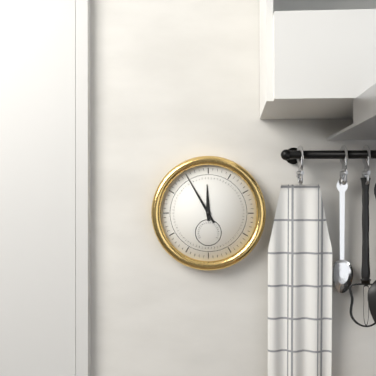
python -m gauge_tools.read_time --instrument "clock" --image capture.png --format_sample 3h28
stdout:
11h55
